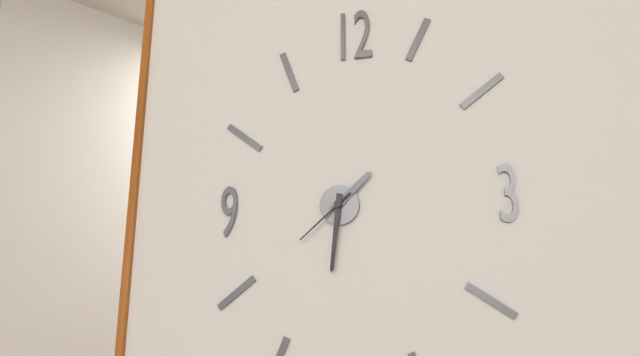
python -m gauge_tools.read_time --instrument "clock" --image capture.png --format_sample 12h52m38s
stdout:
1h31m38s
